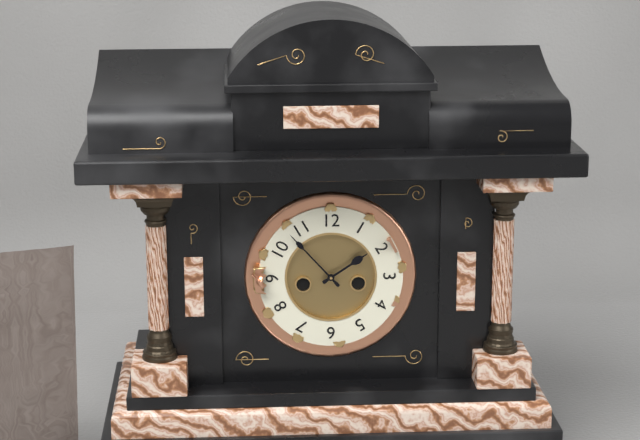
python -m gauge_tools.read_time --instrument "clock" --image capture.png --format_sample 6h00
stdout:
1h53
